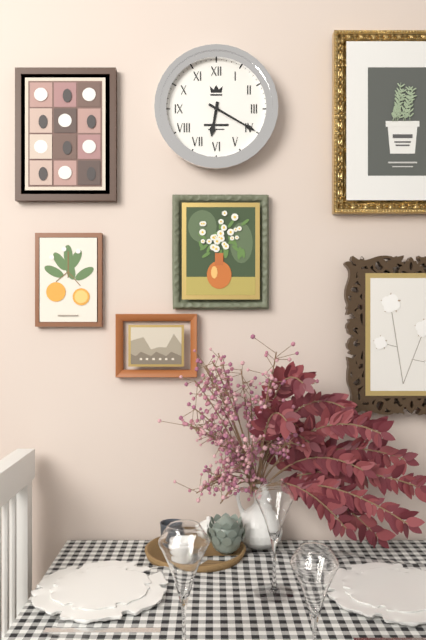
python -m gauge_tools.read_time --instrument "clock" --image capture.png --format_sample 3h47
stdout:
6h20
